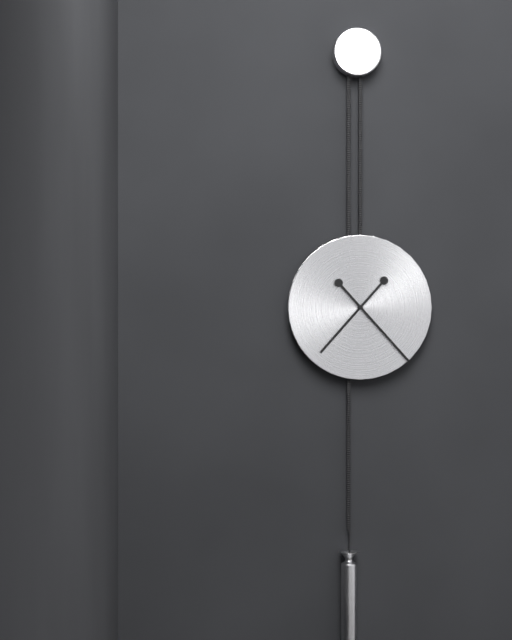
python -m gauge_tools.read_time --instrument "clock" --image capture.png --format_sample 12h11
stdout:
7h23
